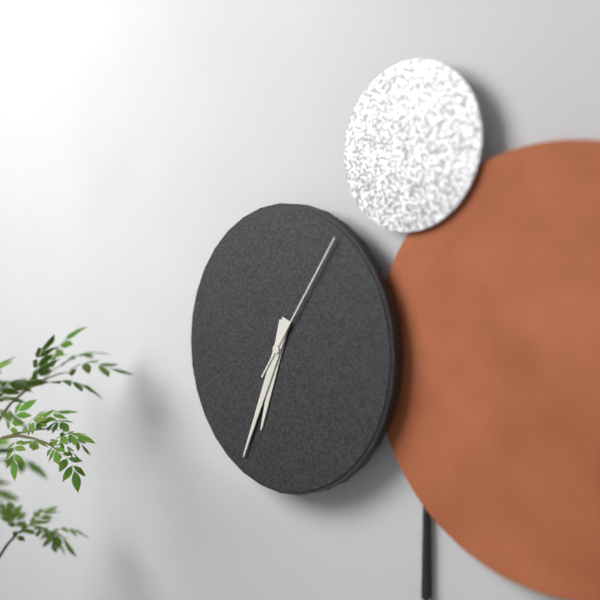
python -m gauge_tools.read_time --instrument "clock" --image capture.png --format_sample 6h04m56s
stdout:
6h34m06s
